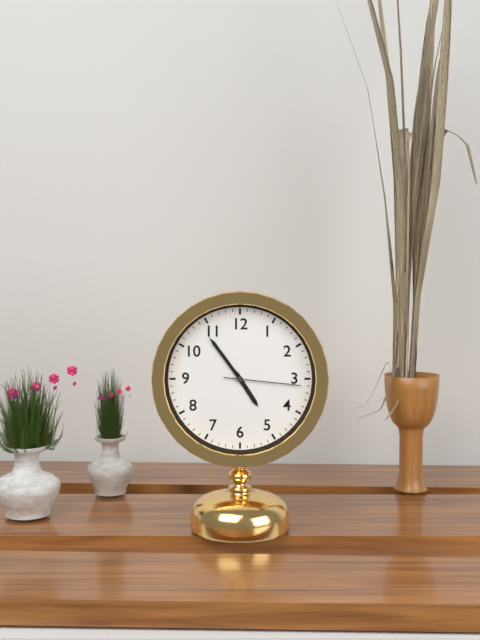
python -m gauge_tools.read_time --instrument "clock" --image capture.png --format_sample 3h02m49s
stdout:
4h54m16s
